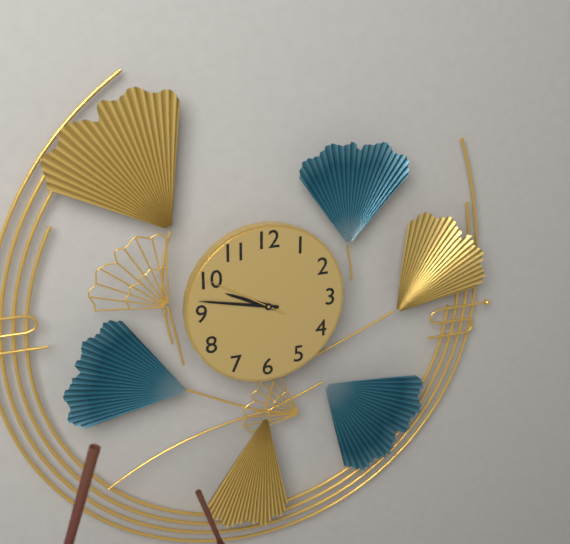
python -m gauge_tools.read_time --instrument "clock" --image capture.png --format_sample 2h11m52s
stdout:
9h47m50s
